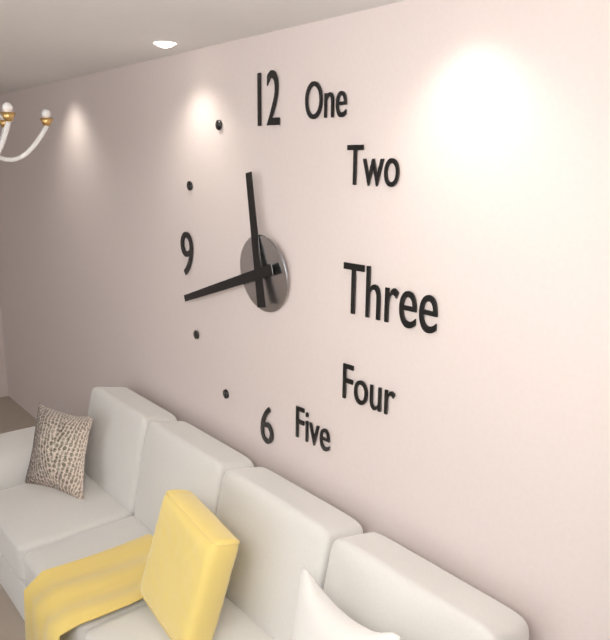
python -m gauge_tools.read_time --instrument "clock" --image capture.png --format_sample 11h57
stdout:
11h42
